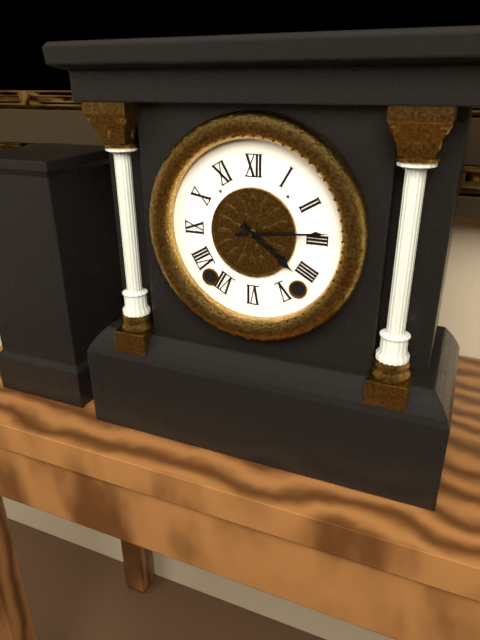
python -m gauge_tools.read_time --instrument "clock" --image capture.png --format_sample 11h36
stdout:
4h14
